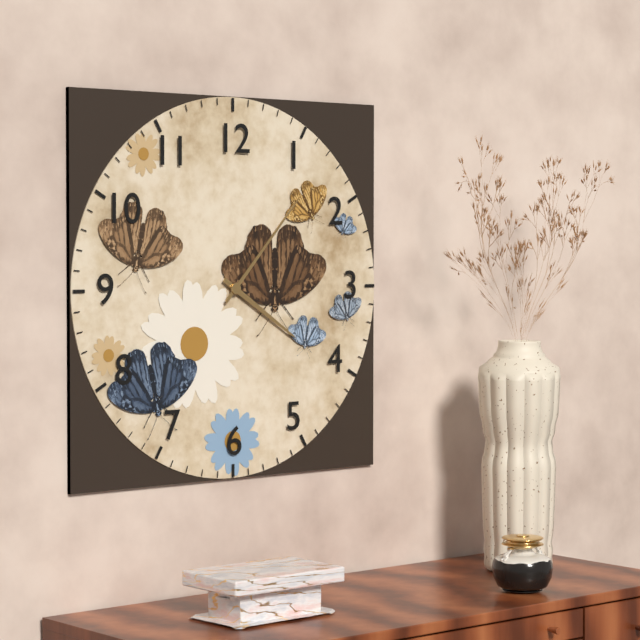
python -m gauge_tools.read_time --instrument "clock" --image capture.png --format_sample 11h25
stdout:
4h07
